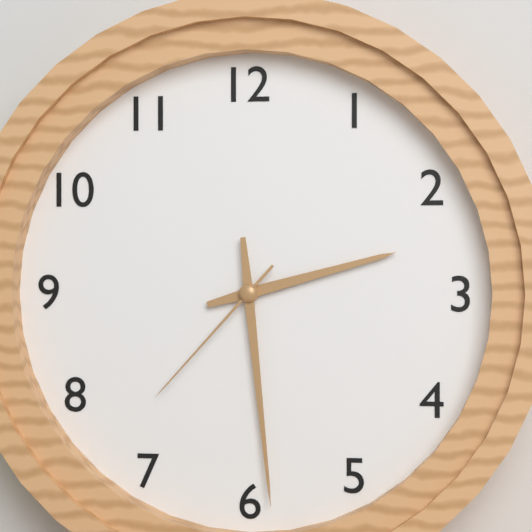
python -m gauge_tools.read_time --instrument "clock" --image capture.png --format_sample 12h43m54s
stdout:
2h29m37s
